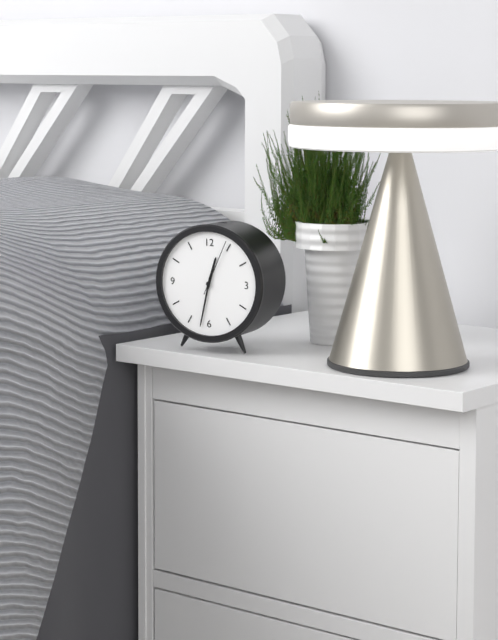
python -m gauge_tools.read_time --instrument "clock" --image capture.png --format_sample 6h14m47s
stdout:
12h32m04s
